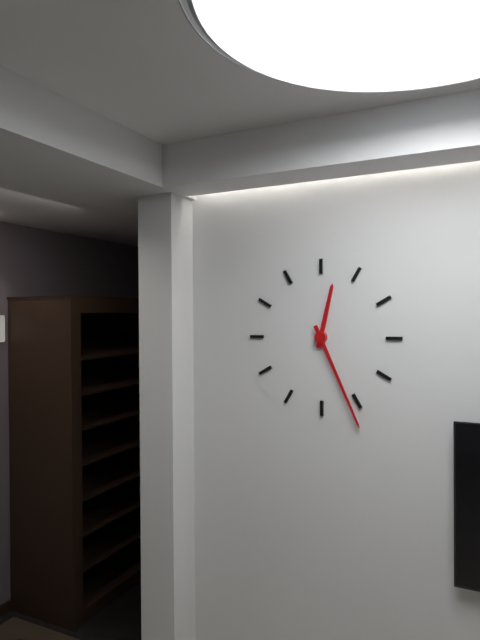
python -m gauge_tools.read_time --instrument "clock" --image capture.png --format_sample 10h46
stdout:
12h26
